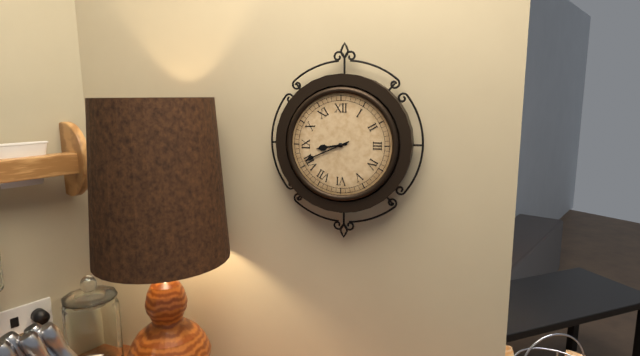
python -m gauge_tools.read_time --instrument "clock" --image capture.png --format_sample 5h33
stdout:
8h41
